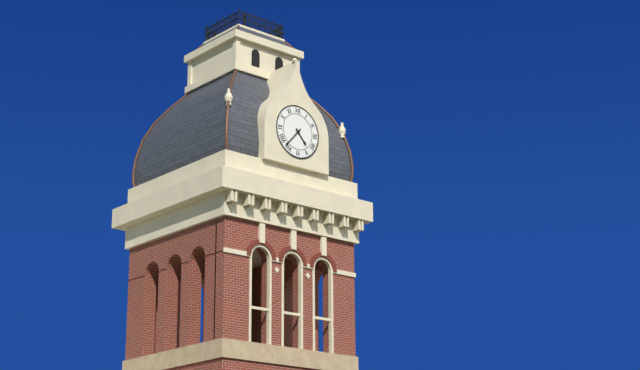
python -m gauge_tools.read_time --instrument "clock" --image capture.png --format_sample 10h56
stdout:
4h37
